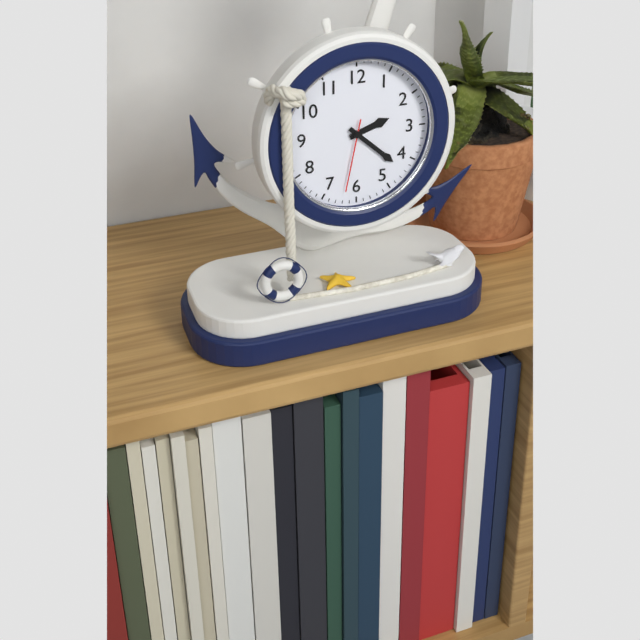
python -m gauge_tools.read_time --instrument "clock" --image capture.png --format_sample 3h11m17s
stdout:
2h22m32s
